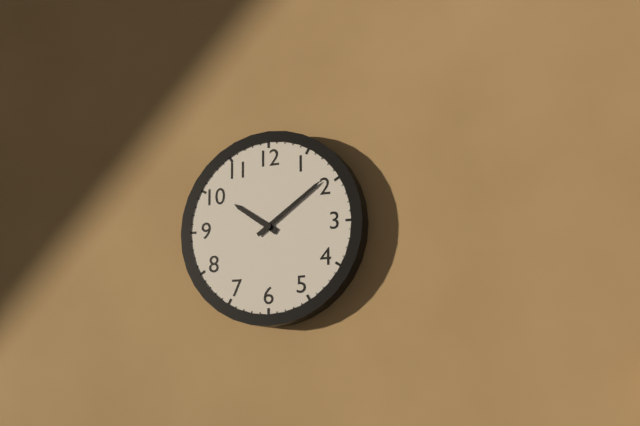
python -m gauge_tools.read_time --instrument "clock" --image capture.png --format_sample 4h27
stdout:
10h09
